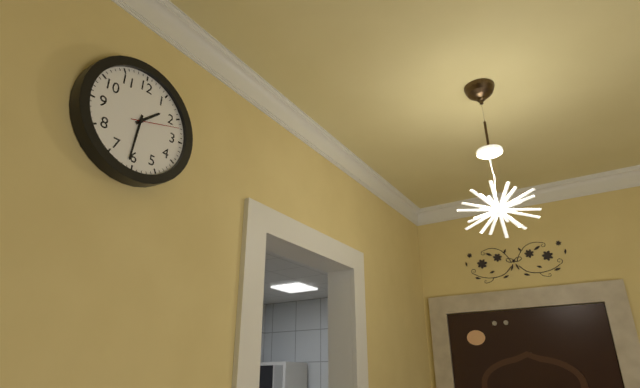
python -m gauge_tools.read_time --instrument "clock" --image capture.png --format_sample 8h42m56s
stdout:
1h31m12s
